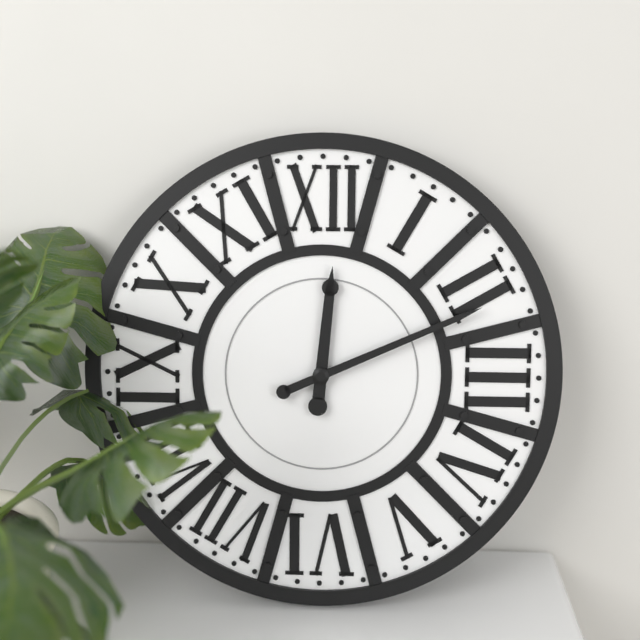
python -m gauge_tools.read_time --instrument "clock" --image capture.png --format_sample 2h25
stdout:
12h11
